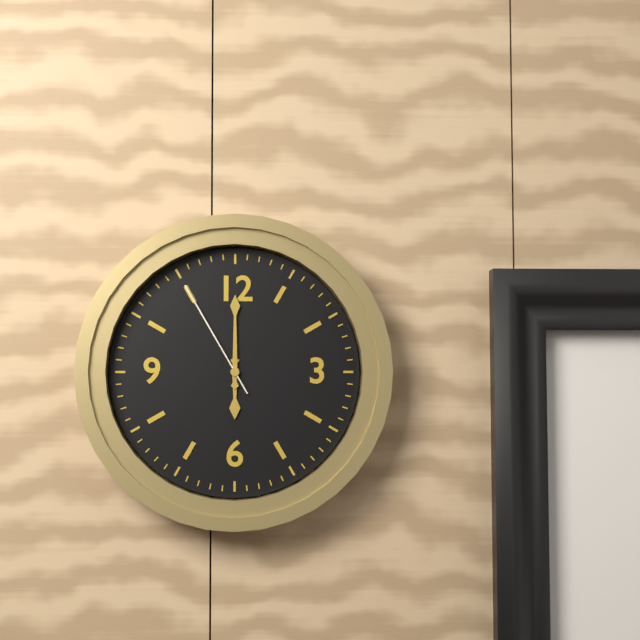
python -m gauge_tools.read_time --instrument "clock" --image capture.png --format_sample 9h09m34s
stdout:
6h00m55s
